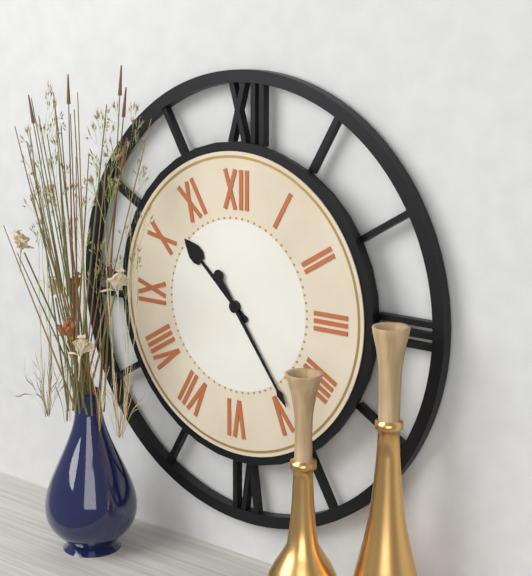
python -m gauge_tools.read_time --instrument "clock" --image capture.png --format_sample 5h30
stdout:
10h24
